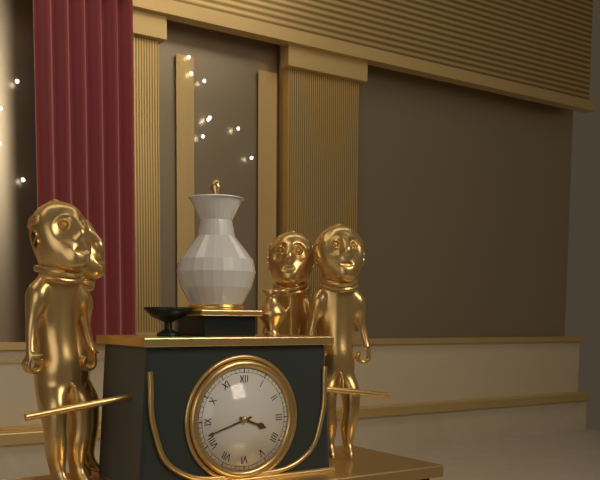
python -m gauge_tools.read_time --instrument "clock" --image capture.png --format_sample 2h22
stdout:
3h42
